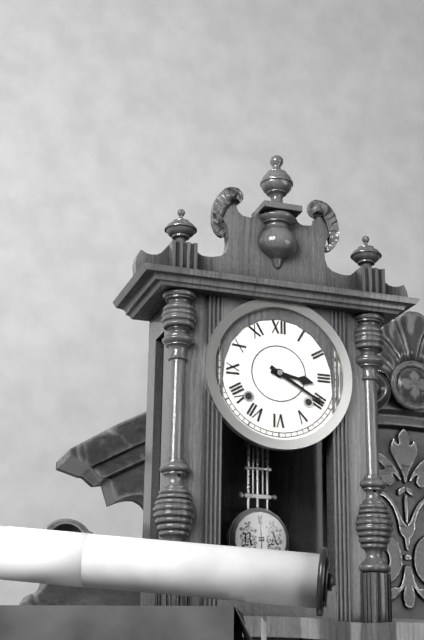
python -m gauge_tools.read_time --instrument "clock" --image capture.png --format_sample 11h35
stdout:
3h20
